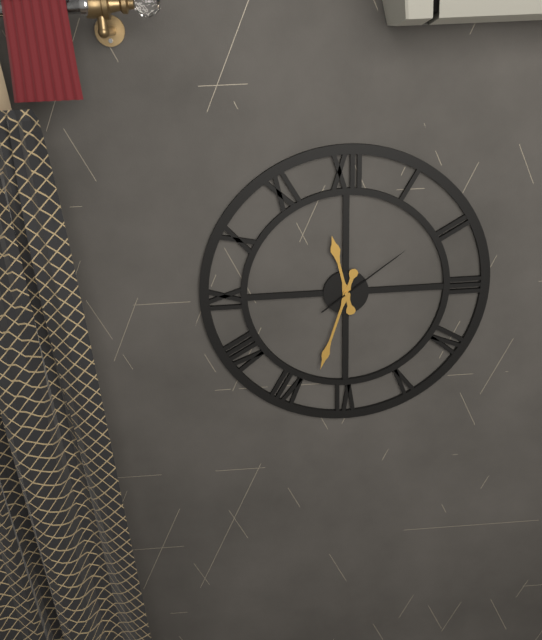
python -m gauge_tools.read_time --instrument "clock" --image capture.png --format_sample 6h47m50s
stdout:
11h33m09s
